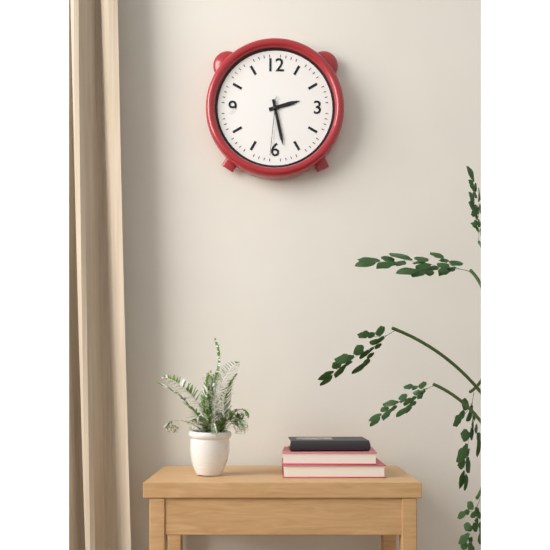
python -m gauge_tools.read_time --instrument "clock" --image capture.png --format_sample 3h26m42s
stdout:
2h28m31s
